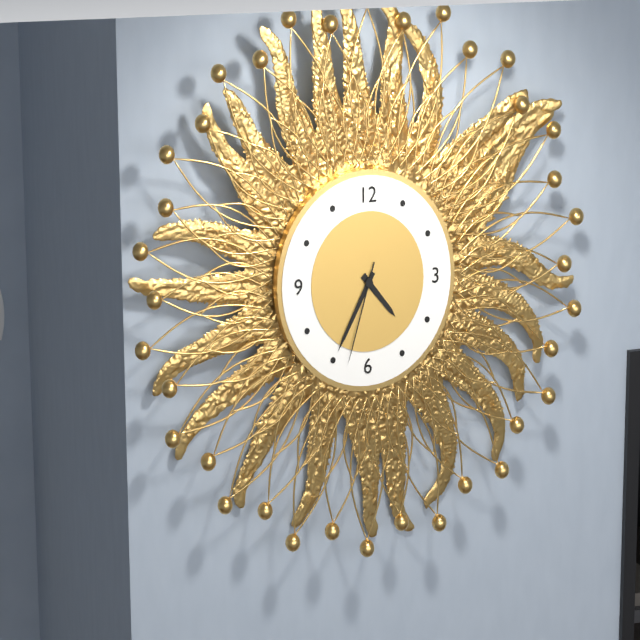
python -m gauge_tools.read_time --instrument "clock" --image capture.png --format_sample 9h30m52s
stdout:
4h35m33s
